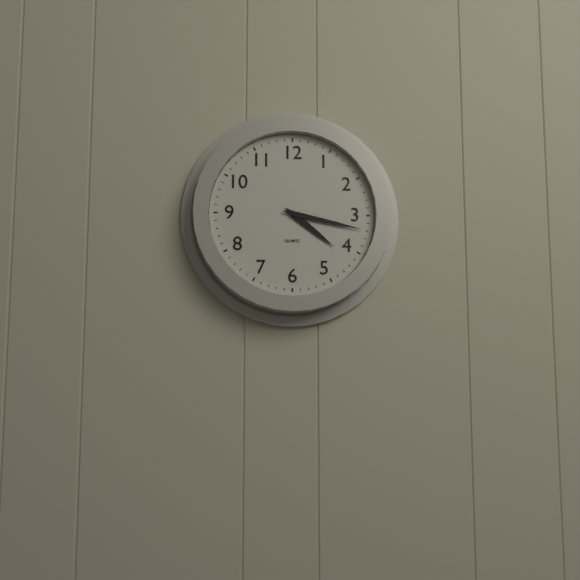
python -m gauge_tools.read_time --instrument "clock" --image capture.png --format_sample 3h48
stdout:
4h17
